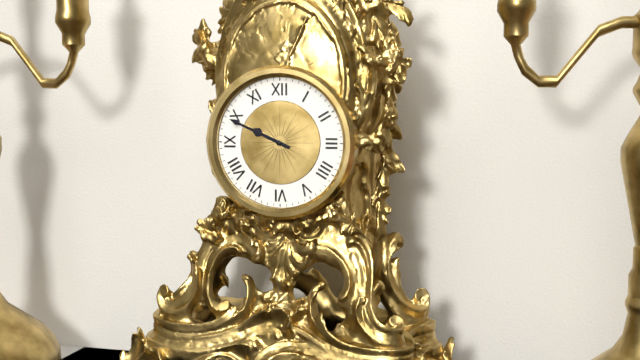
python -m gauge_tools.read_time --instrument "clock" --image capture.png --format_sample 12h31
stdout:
9h49
